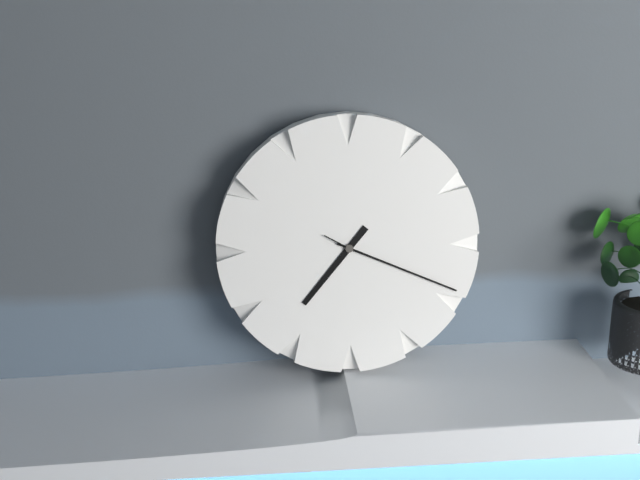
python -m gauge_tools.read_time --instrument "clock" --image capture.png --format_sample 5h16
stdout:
7h19
